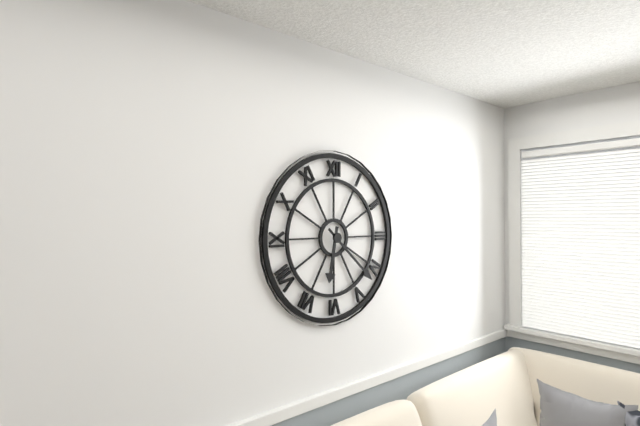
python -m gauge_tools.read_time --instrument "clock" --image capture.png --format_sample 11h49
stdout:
6h22
